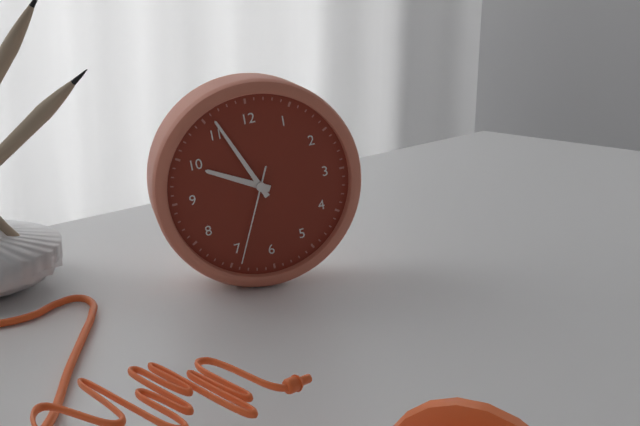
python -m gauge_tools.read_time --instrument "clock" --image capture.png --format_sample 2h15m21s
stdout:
9h56m34s
